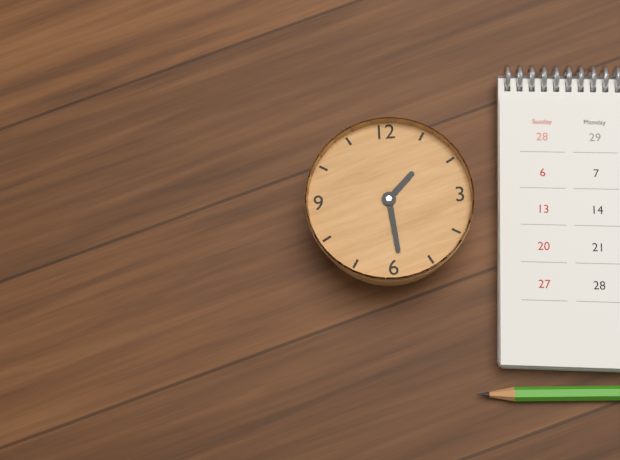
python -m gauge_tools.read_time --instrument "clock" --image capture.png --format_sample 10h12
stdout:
1h29
